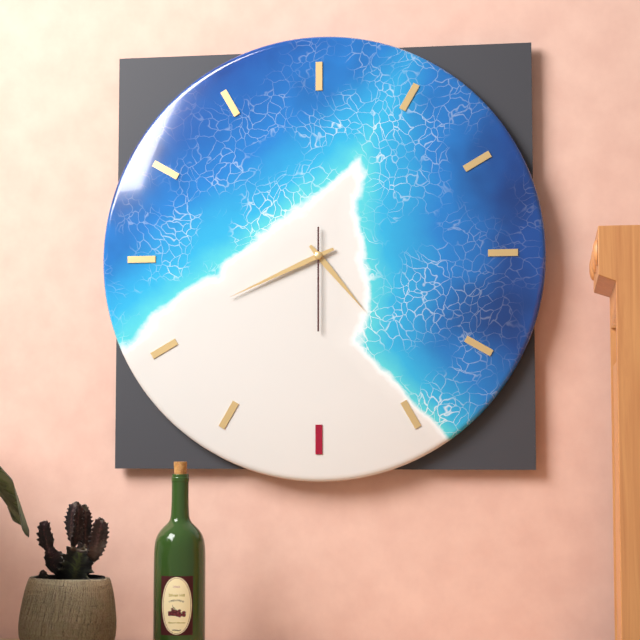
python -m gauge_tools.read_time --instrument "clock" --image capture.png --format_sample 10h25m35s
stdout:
4h41m30s
